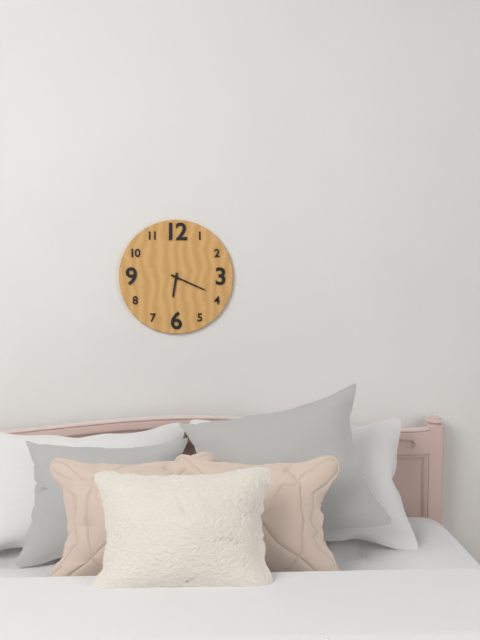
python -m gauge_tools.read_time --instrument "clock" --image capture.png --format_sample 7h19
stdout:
6h19
